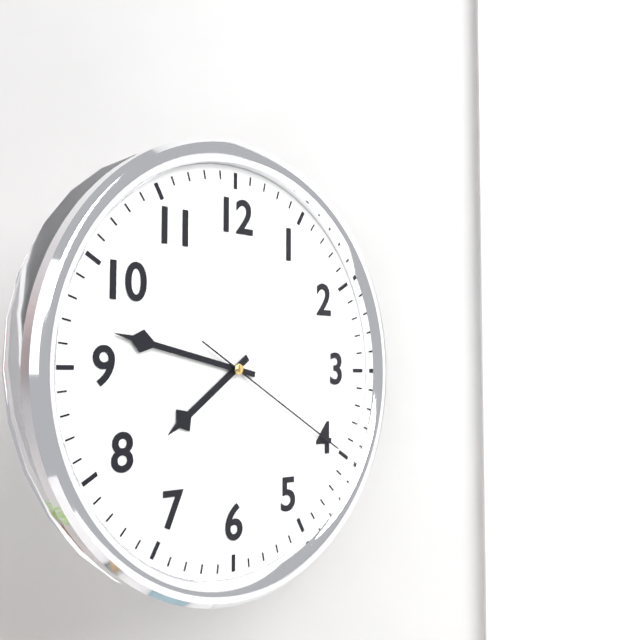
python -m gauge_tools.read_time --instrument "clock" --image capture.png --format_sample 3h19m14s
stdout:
7h47m20s
